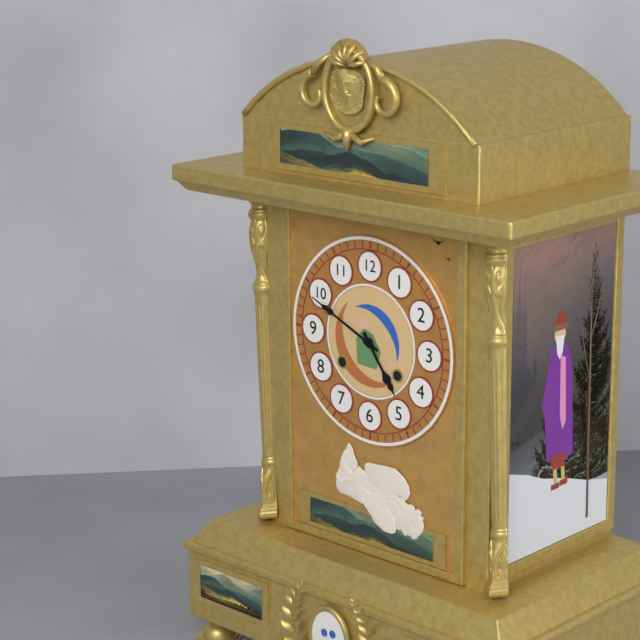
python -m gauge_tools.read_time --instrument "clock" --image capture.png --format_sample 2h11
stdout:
4h49
